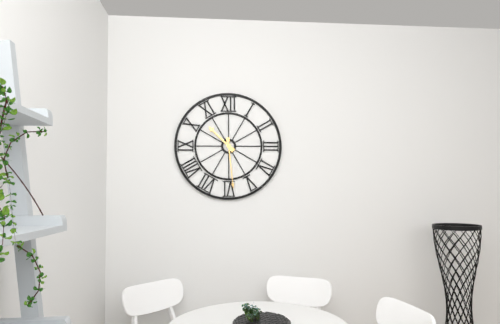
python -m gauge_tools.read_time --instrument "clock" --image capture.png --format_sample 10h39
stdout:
10h29
